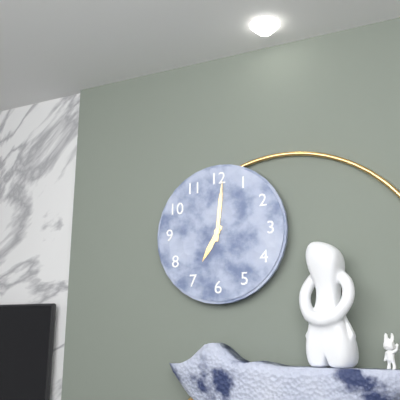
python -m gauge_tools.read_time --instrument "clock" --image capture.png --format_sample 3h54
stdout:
7h01
